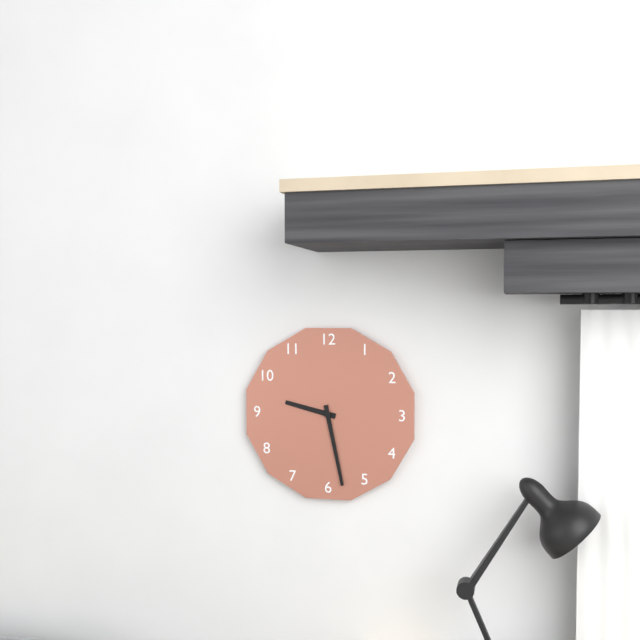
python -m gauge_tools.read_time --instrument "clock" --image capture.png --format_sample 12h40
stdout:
9h28
